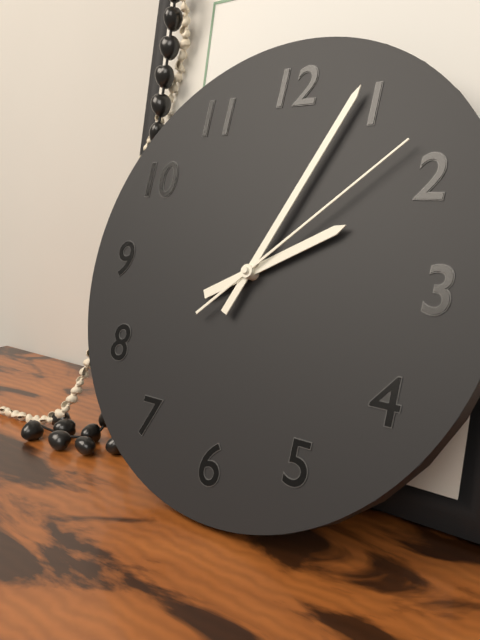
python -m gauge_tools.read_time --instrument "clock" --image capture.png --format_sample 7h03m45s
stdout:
2h04m08s
